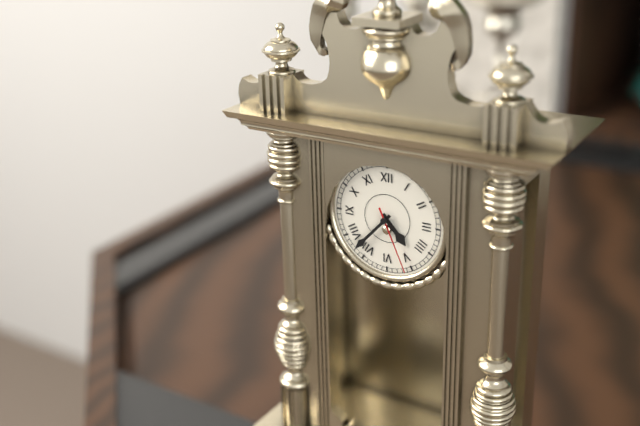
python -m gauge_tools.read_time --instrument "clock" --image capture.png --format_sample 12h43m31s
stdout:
4h37m26s
